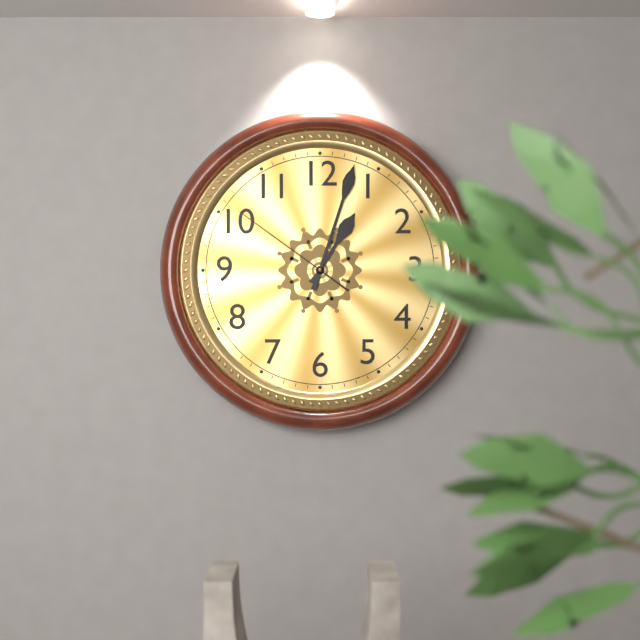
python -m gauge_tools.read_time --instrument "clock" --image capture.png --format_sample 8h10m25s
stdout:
1h03m51s
